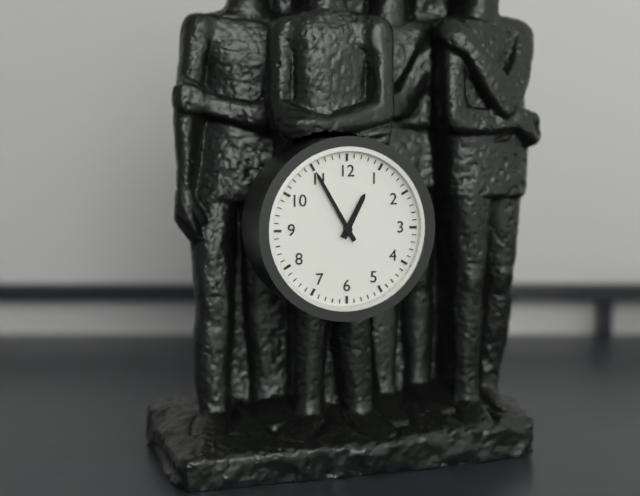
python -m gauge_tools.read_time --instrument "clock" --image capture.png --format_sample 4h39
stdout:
12h55
